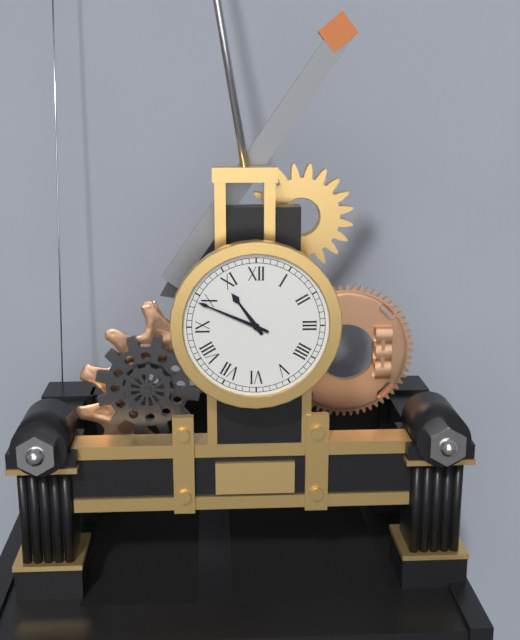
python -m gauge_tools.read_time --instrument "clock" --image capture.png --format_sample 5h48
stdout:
10h49
